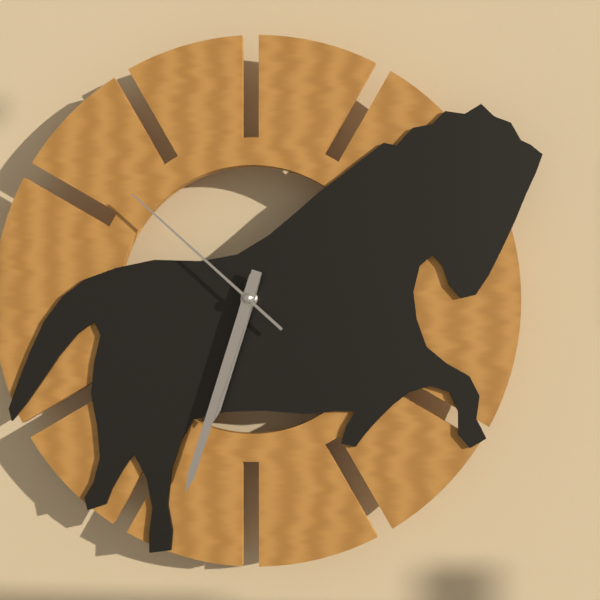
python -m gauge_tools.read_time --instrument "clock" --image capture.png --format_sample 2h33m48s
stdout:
6h33m52s
